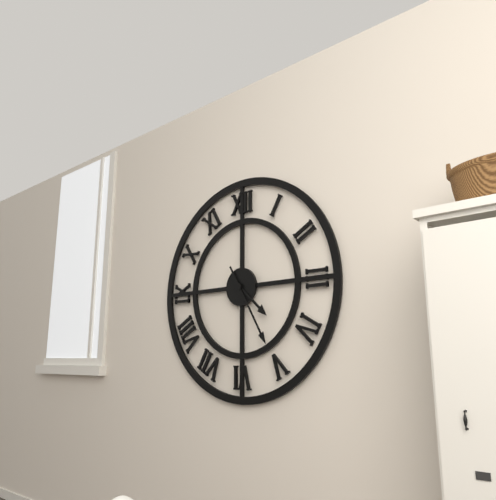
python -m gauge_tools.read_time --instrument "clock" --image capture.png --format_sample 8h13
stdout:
4h25
